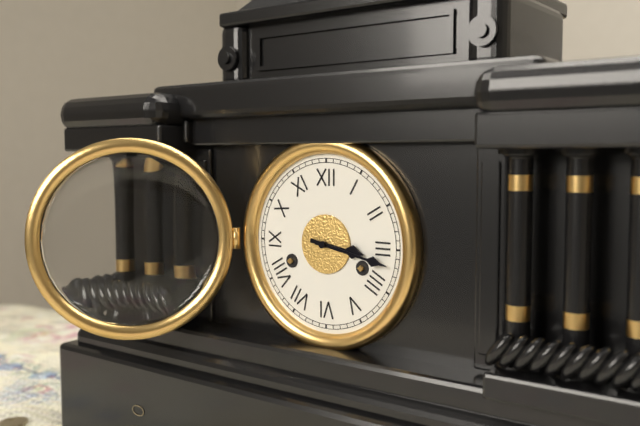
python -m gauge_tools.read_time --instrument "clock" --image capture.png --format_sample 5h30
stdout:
3h17
